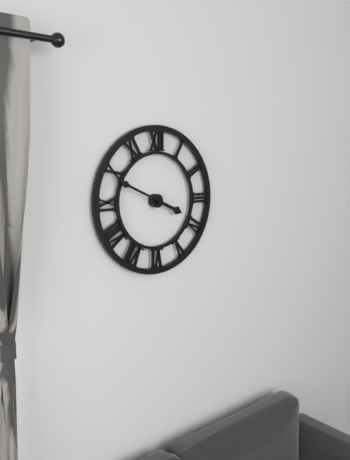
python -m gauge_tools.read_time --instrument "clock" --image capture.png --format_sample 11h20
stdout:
3h49
